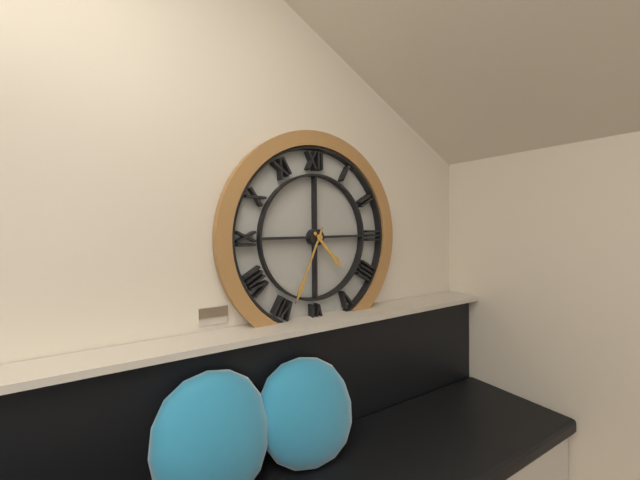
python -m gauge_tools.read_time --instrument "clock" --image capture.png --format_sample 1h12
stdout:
4h34
